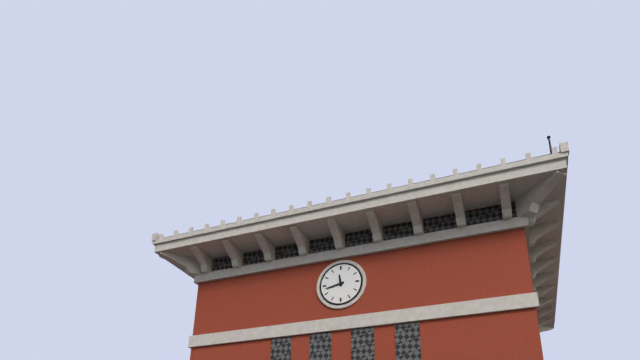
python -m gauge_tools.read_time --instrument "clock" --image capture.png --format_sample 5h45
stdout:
11h43
